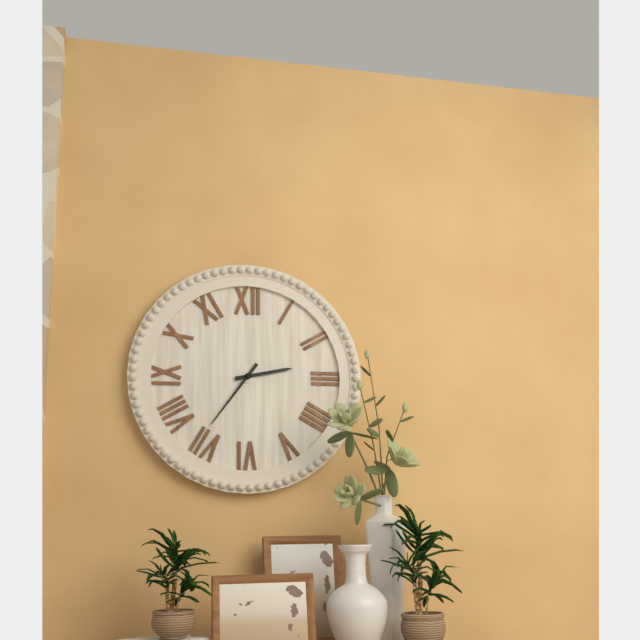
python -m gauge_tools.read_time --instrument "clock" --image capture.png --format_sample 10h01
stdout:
2h36
